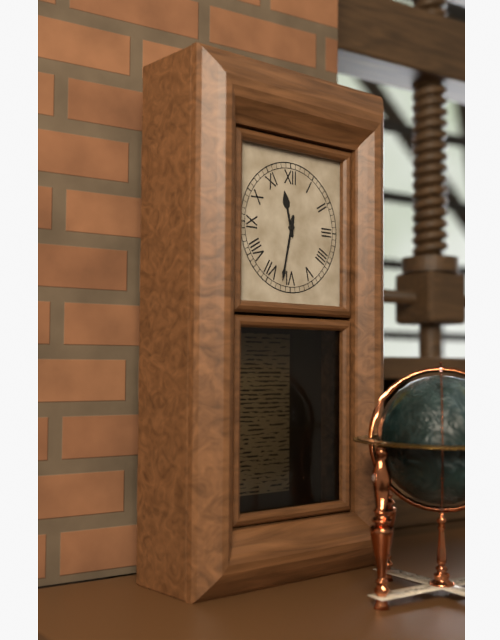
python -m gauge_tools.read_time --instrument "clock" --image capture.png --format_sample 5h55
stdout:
11h32
